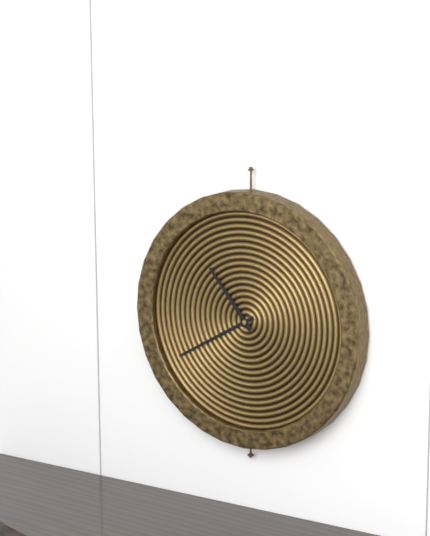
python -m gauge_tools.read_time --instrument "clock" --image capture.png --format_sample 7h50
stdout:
10h40
